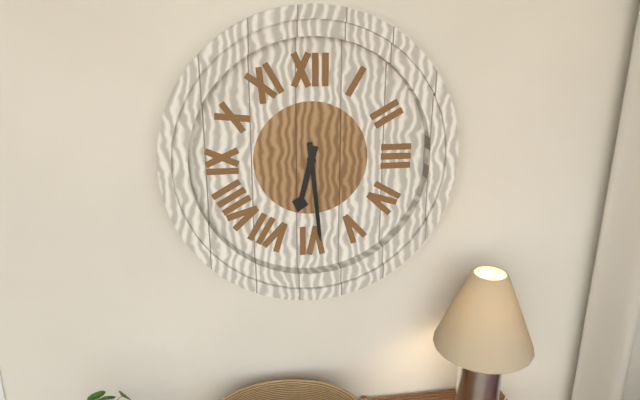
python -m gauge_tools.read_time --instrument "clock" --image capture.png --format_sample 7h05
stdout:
6h29
